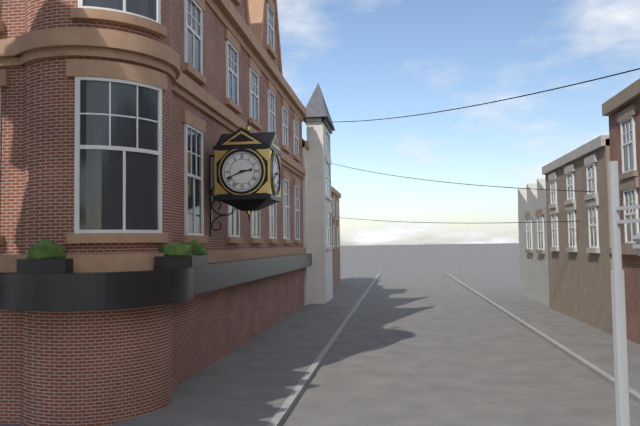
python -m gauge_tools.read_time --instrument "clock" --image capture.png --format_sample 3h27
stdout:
2h41
